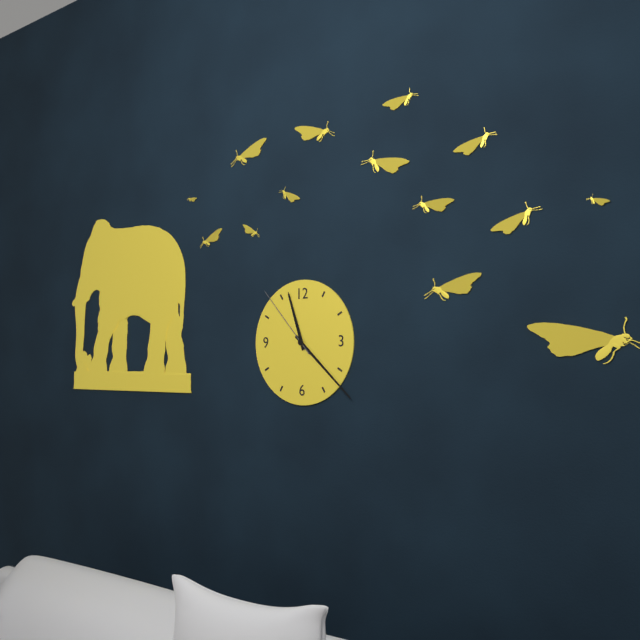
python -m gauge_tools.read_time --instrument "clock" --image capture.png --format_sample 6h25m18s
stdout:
11h22m53s
